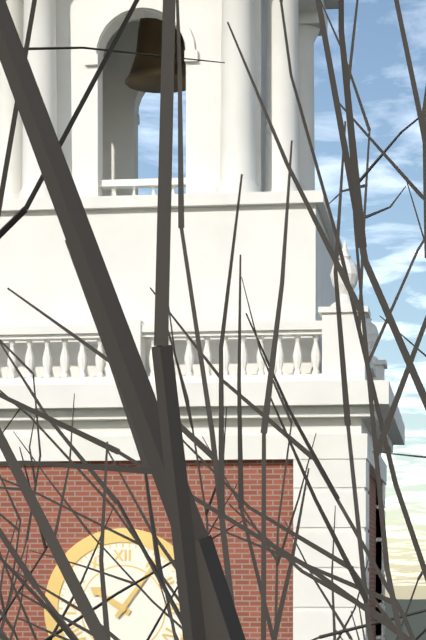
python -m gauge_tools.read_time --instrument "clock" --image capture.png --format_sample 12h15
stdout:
10h06
